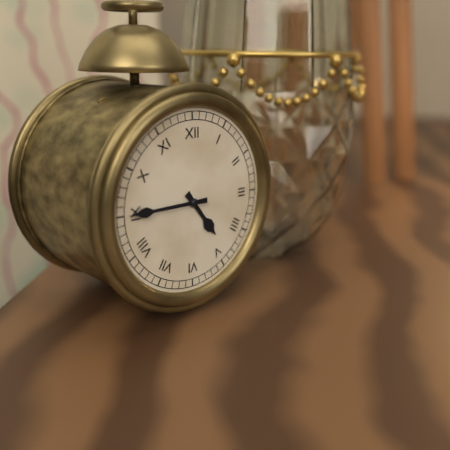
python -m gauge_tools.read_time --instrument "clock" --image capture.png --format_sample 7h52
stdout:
4h45
